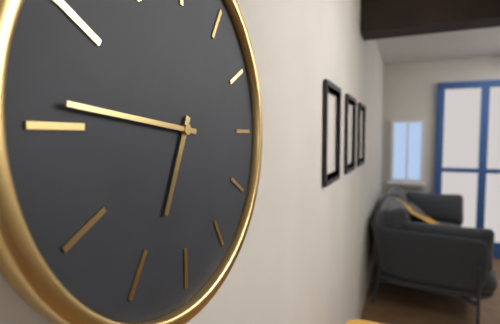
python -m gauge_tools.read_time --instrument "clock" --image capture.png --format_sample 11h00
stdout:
6h46
